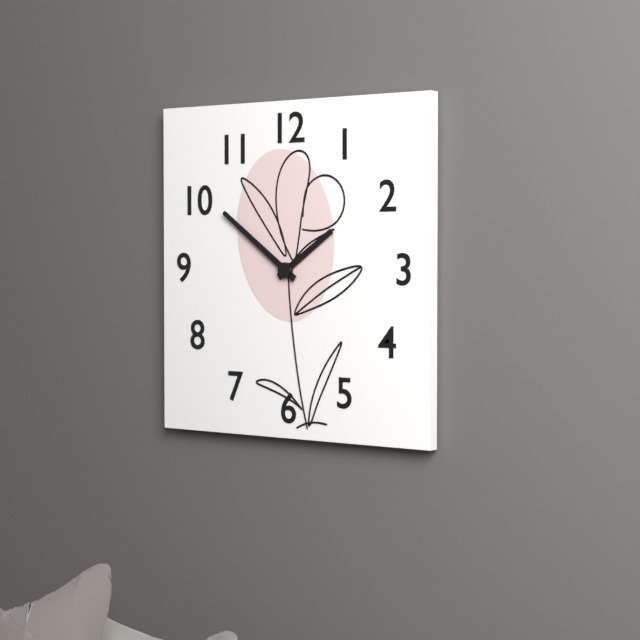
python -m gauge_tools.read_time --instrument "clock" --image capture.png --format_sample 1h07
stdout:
1h51
